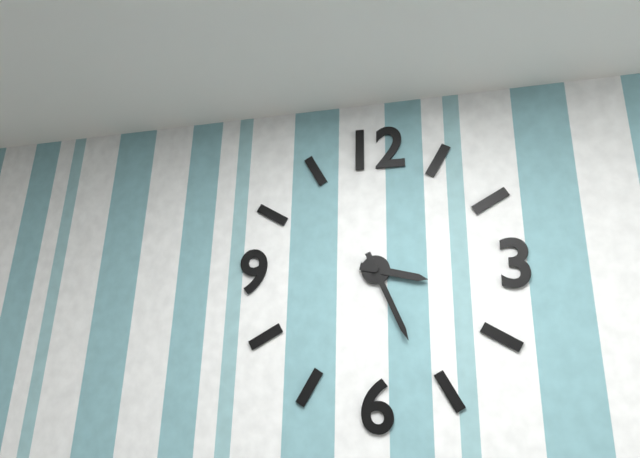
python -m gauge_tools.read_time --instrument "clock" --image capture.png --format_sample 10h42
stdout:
3h26
